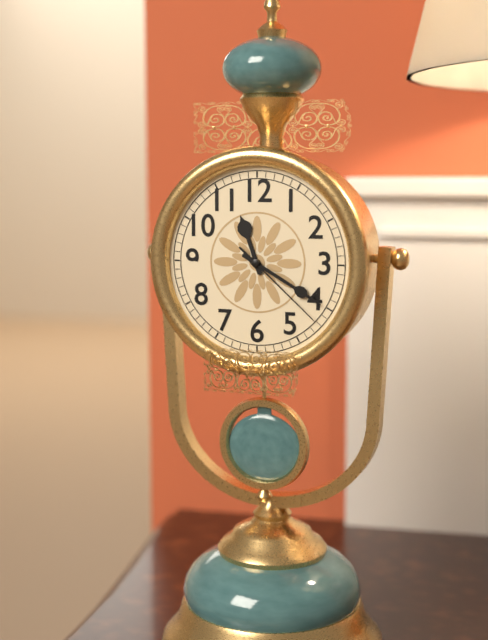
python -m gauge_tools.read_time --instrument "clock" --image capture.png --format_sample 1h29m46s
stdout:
11h20m22s
